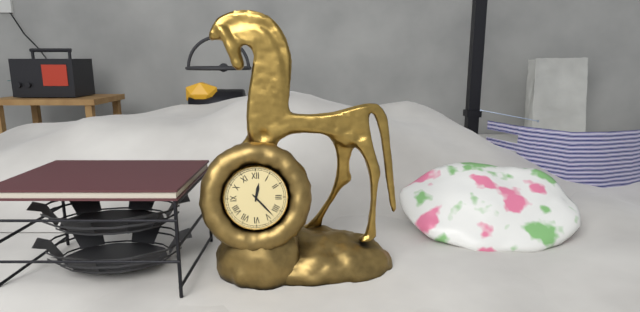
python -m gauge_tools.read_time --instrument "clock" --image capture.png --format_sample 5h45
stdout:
12h23
